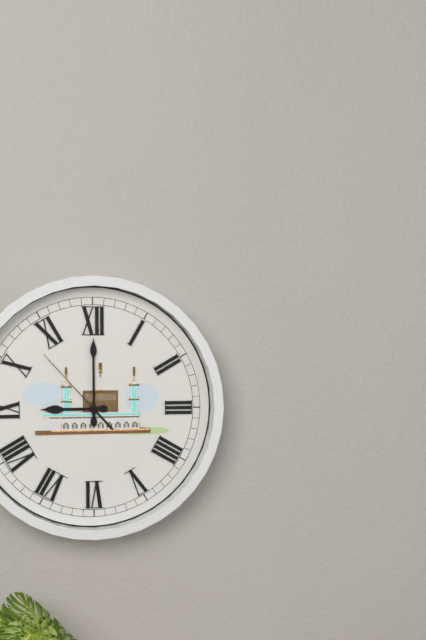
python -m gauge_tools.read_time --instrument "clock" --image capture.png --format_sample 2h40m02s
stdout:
9h00m53s
